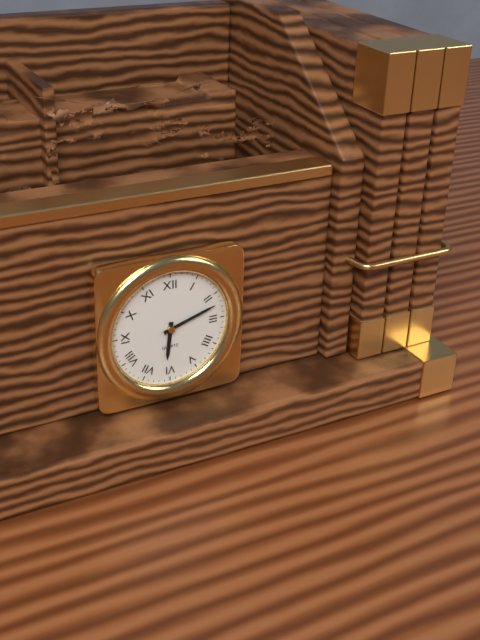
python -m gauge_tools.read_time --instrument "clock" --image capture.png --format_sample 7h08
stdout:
6h12
